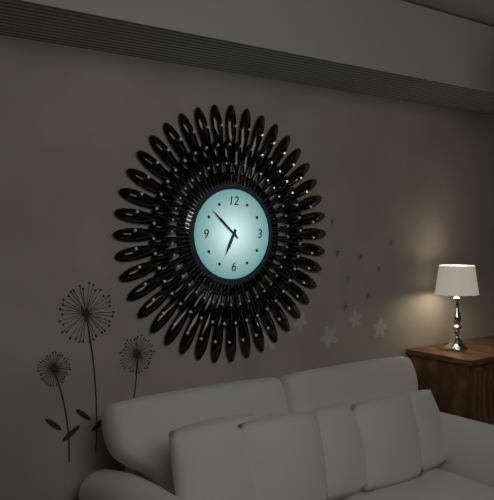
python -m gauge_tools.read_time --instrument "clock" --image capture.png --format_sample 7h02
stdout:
6h52
